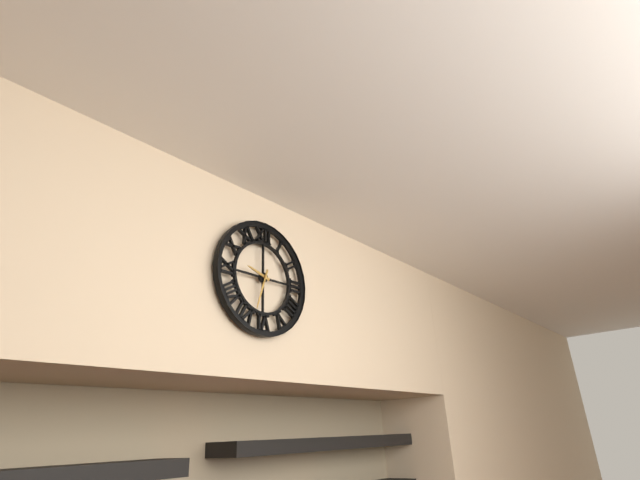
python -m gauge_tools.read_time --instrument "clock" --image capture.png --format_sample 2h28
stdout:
9h33
